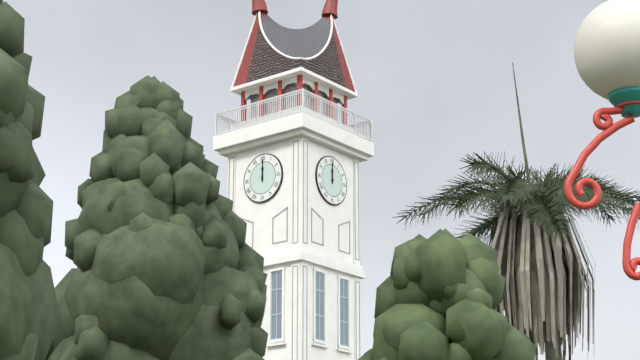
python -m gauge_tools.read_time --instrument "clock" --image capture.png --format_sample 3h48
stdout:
12h00
